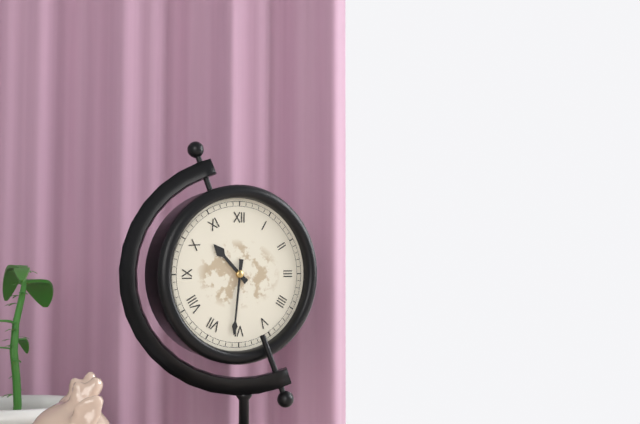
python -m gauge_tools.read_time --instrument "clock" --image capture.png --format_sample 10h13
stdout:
10h31
